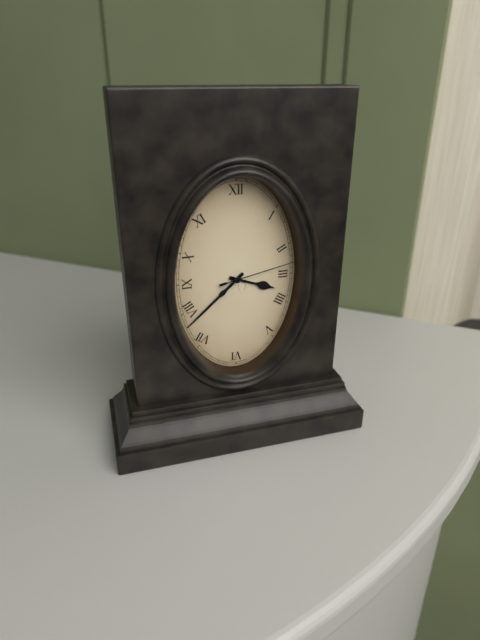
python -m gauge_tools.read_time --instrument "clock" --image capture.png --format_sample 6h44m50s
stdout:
3h38m13s
